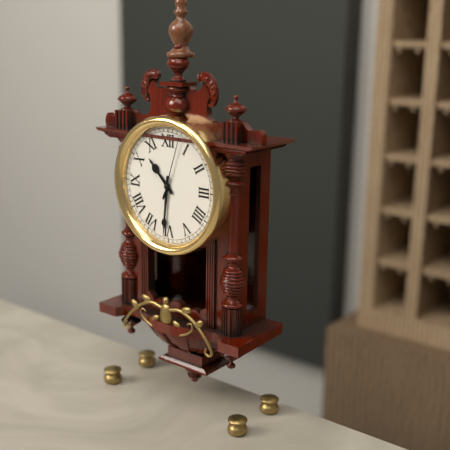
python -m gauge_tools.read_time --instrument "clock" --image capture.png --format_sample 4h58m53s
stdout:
10h31m03s
